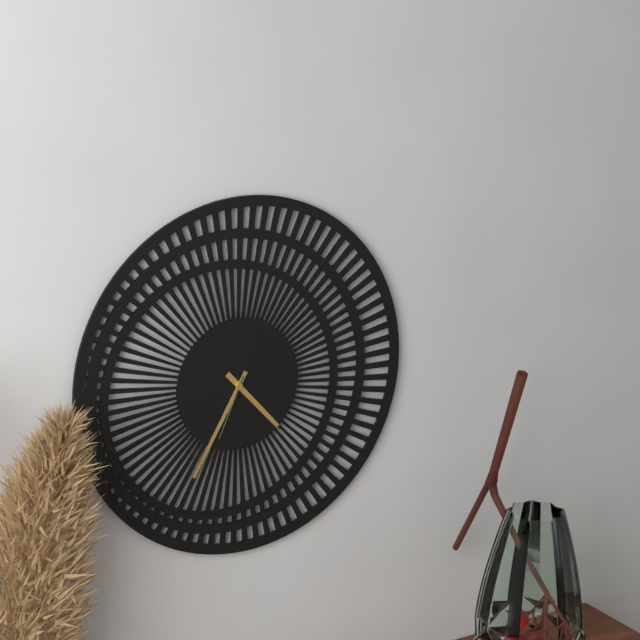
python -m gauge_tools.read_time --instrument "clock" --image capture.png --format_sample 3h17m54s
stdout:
4h35m34s
